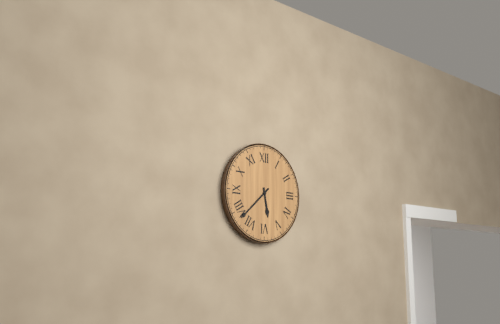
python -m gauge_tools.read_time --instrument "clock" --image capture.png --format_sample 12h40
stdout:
5h38
